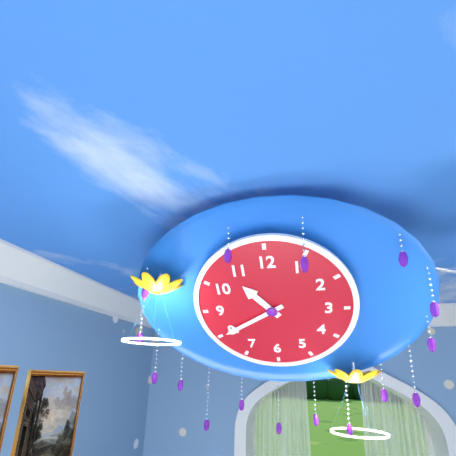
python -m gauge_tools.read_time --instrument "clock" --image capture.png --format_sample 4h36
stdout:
10h40
